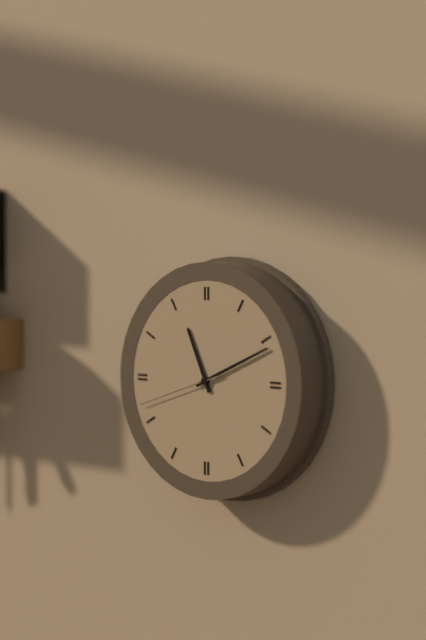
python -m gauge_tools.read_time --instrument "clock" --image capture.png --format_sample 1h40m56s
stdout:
11h11m42s
